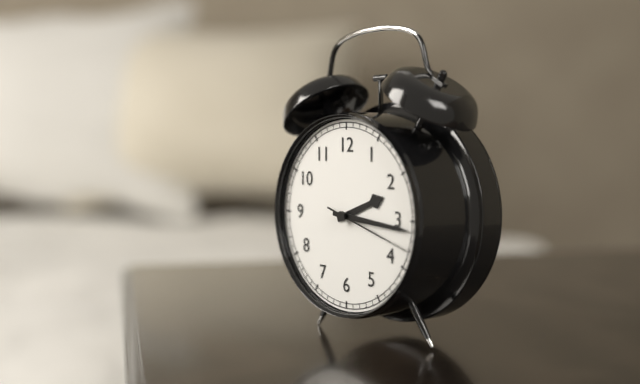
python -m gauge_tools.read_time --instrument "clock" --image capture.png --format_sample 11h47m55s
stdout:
2h16m18s
